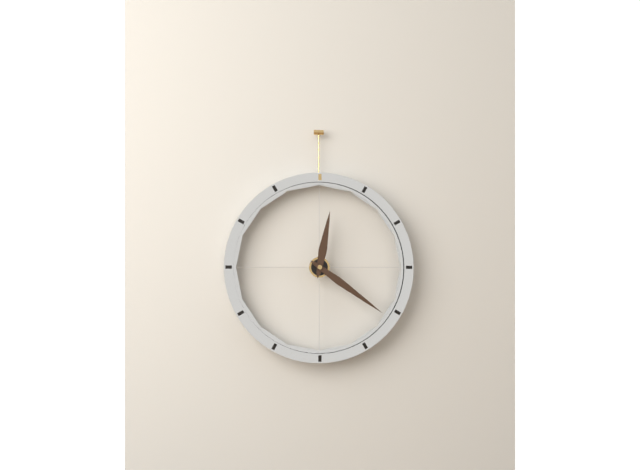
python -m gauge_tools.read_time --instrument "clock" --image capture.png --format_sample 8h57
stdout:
12h21
